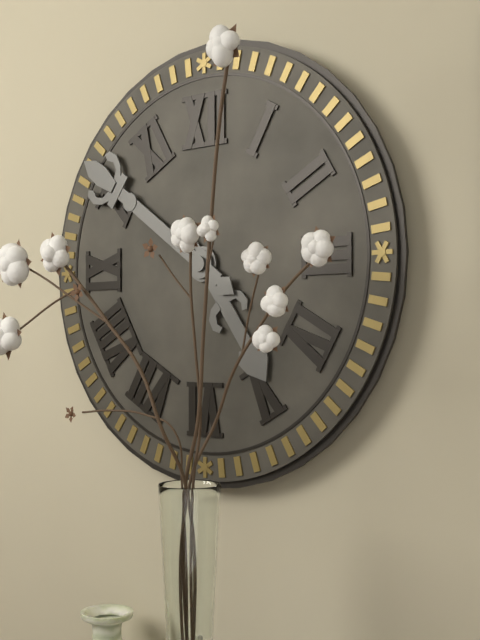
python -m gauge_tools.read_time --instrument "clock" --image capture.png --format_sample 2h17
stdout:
4h51
